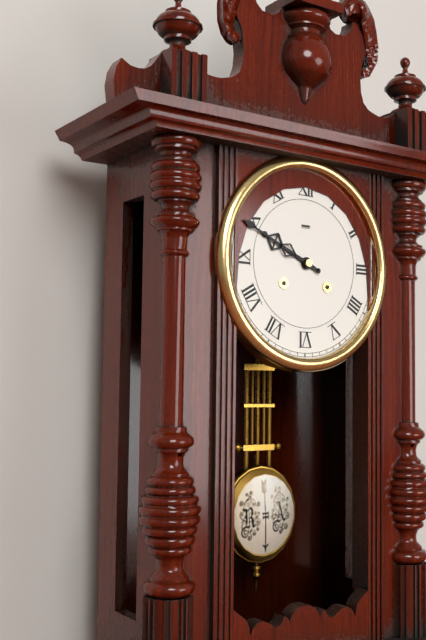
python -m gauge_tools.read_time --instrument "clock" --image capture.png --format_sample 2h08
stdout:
9h49
